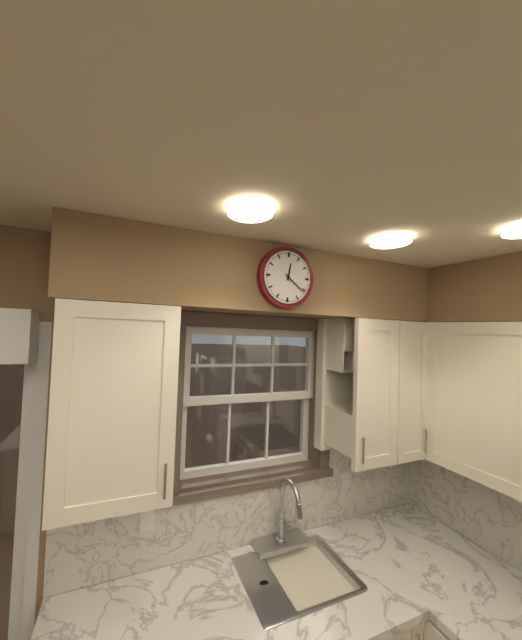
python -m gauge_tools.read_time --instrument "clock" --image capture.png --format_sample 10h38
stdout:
12h21
